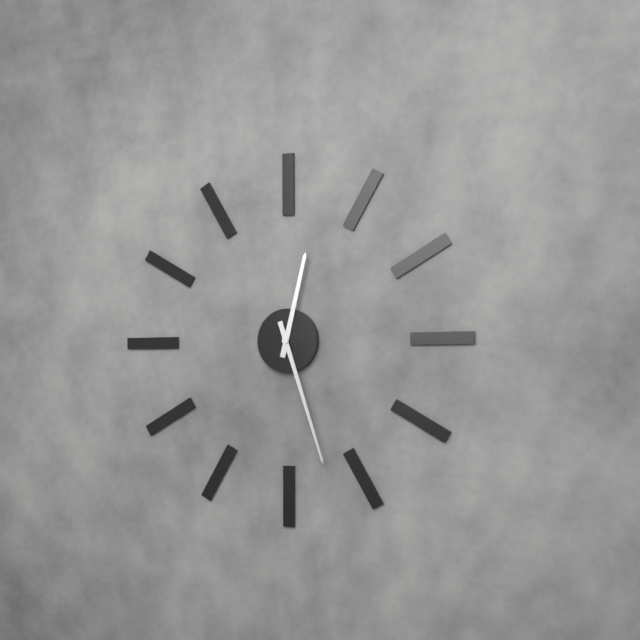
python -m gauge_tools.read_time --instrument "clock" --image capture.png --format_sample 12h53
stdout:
12h27
